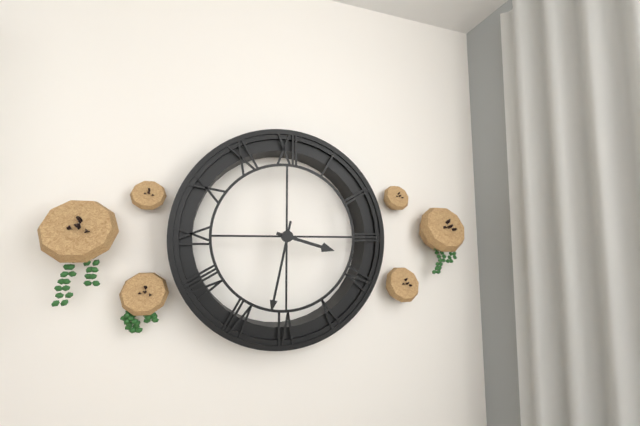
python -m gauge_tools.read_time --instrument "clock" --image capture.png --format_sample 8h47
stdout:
3h32
